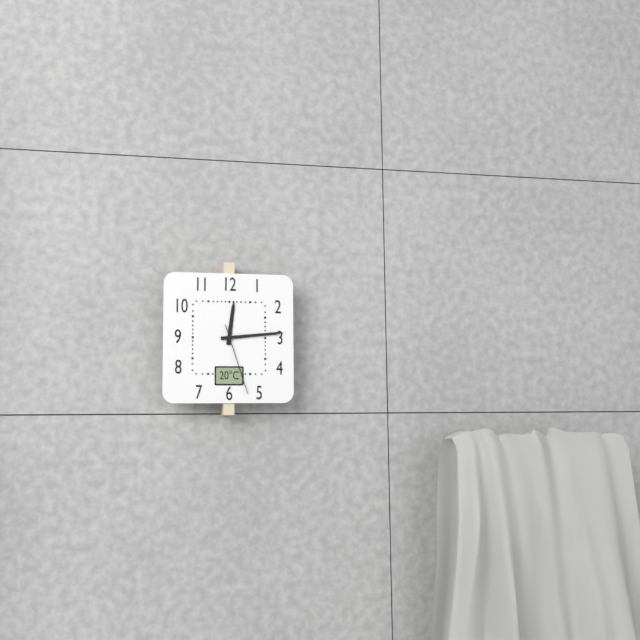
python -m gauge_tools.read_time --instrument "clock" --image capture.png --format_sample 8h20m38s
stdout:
12h14m27s
